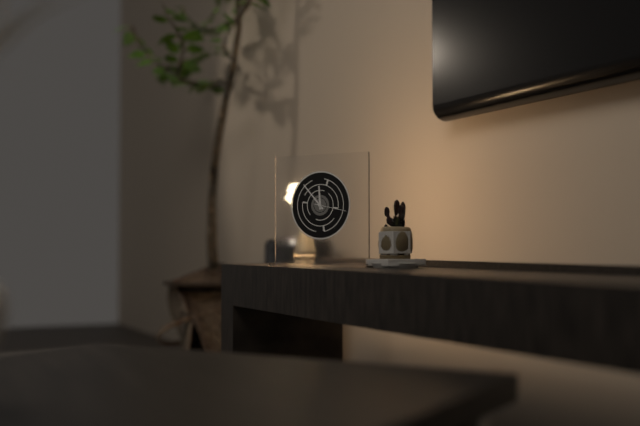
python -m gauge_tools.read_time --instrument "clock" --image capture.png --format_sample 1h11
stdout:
11h53
